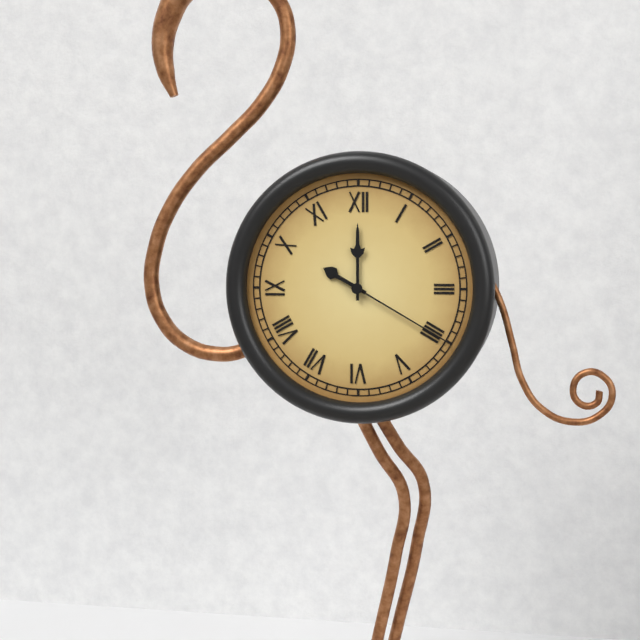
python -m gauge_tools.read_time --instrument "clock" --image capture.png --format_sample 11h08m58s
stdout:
10h00m20s
